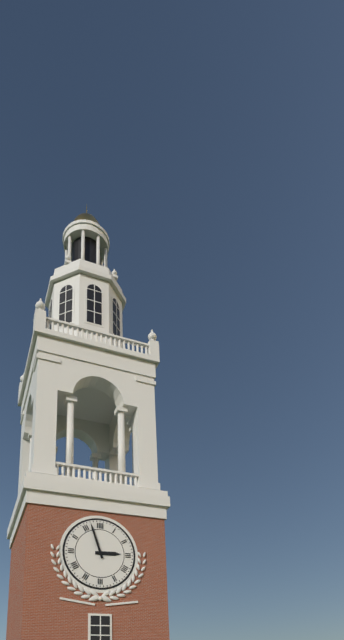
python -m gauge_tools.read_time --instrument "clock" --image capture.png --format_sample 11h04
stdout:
2h57
